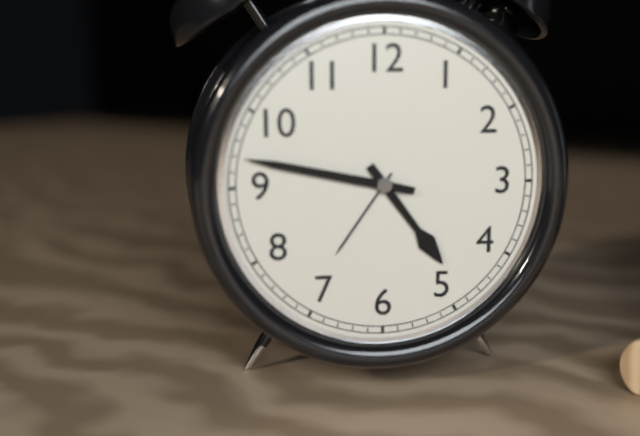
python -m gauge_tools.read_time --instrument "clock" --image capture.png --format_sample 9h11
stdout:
4h47
